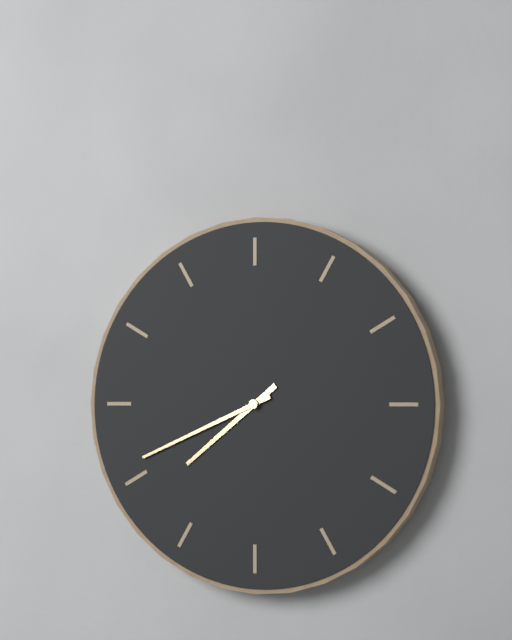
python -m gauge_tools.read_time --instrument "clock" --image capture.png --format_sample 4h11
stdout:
7h41
